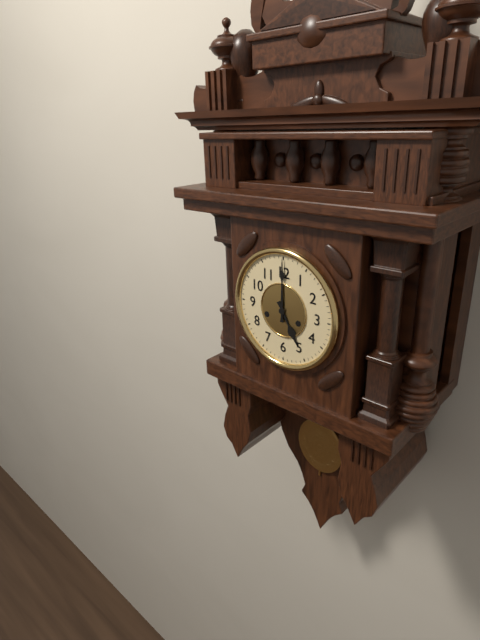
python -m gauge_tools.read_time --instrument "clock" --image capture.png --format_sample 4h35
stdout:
5h00
